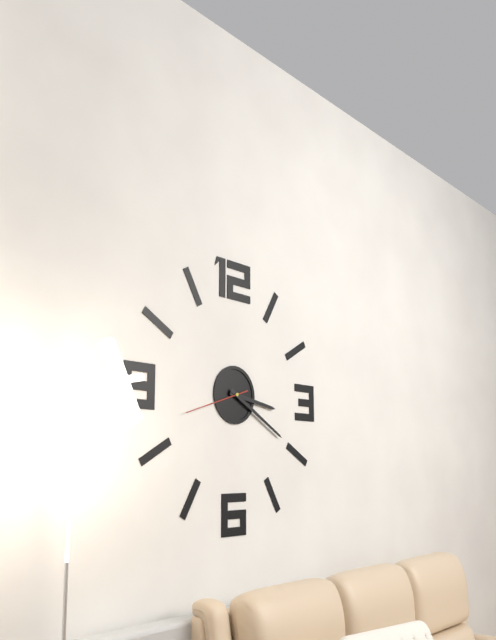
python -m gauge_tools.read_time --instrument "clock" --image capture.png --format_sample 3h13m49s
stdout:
3h20m42s
